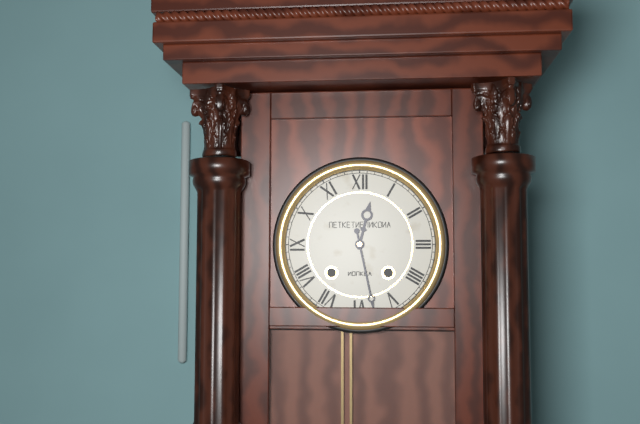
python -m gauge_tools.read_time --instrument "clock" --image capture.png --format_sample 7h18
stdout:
12h28
